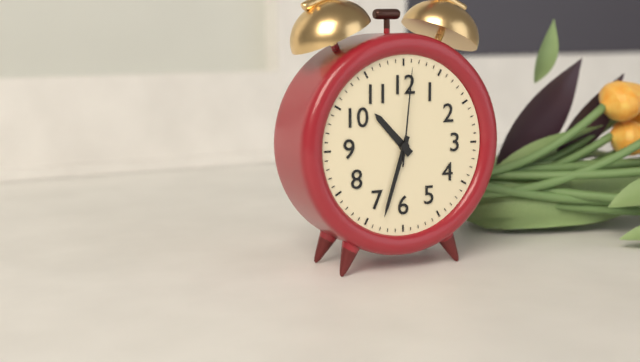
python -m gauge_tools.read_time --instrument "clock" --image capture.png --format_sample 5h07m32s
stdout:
10h33m01s
